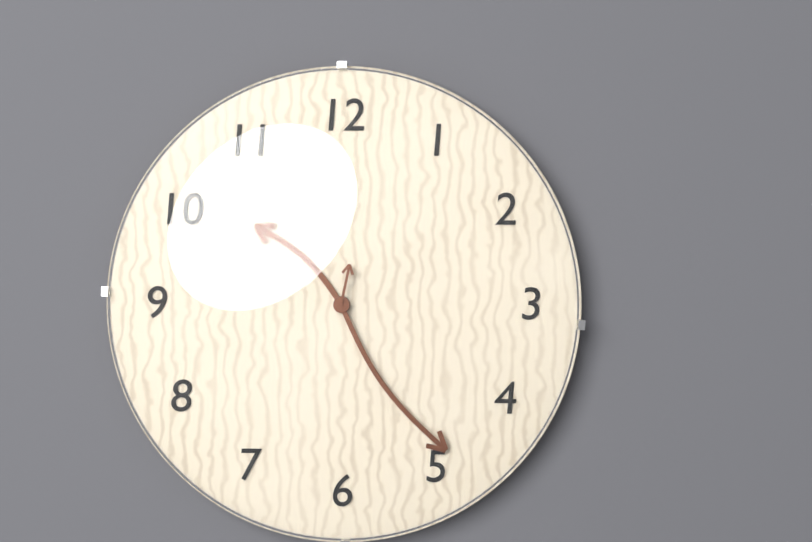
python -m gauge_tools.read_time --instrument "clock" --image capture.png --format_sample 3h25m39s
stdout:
10h24m02s
